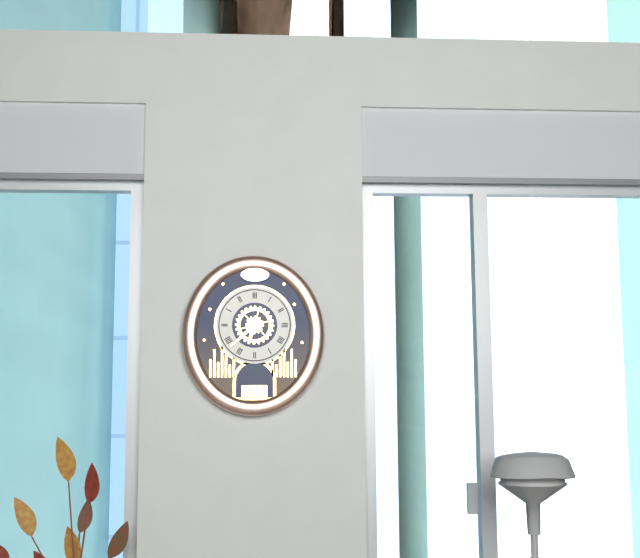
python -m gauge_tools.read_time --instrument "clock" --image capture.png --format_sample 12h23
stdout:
6h38
